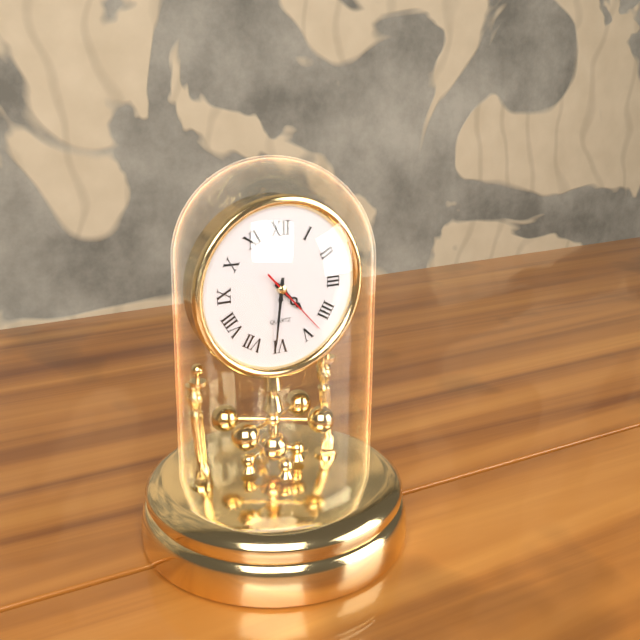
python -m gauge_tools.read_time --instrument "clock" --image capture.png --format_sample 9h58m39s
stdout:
4h31m23s
